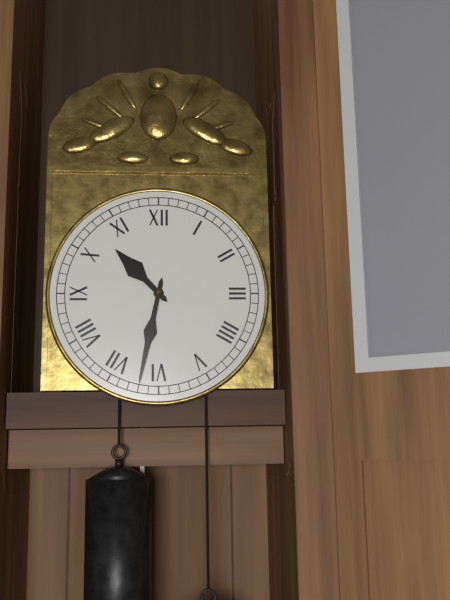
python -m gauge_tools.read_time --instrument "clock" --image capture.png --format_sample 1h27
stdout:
10h32
